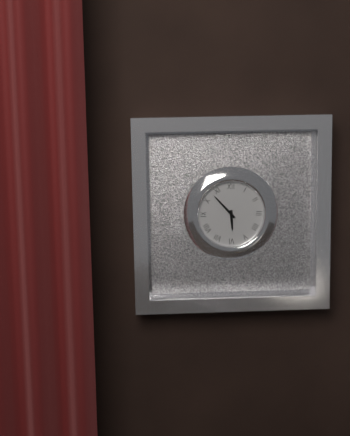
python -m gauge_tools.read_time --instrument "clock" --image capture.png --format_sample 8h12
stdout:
5h53
